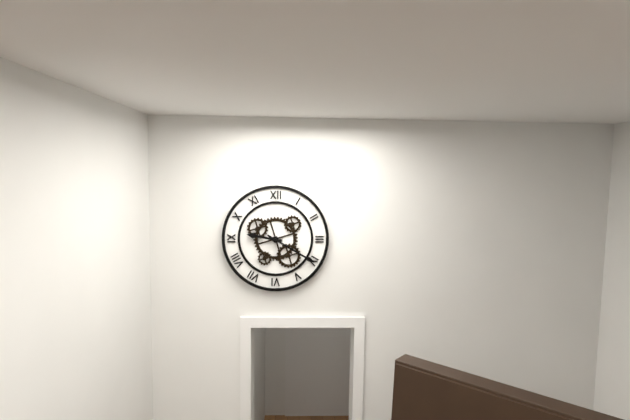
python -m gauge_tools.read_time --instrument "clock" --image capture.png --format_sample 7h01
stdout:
9h20
